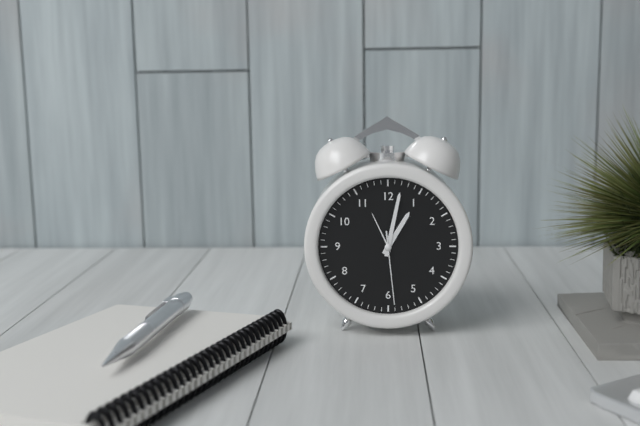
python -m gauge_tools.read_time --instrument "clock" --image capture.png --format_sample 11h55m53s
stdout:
1h02m29s
